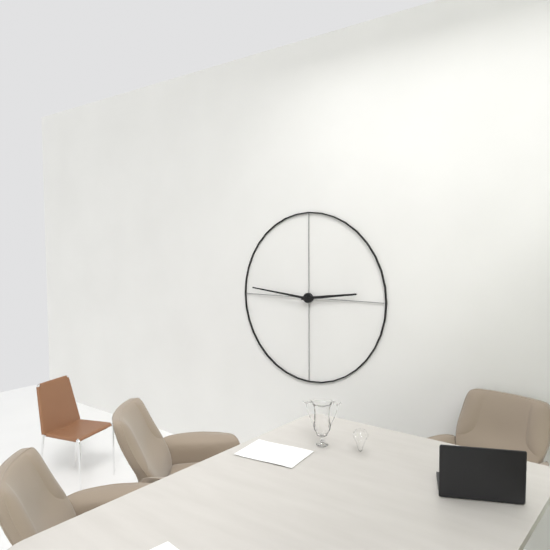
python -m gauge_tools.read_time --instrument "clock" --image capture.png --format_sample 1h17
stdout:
2h46
